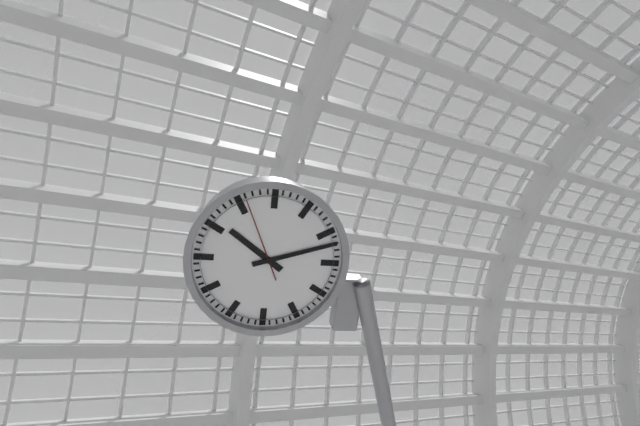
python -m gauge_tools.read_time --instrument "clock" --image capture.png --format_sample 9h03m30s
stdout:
10h12m56s
